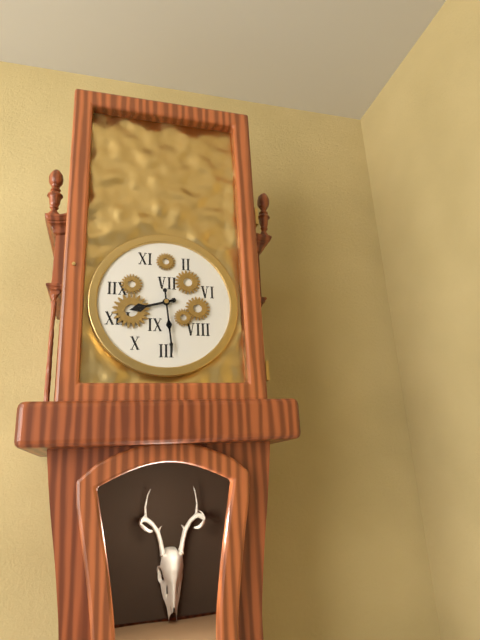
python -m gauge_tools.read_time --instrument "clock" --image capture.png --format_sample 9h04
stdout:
8h29
